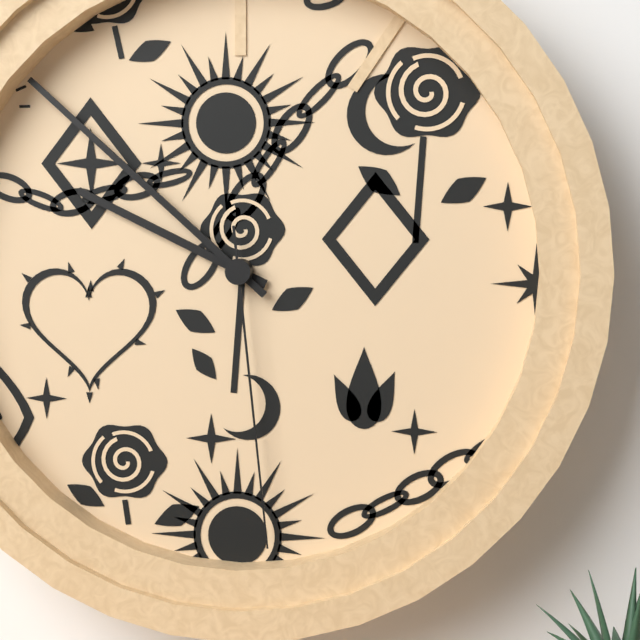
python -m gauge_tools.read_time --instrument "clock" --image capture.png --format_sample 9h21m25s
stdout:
9h52m29s
